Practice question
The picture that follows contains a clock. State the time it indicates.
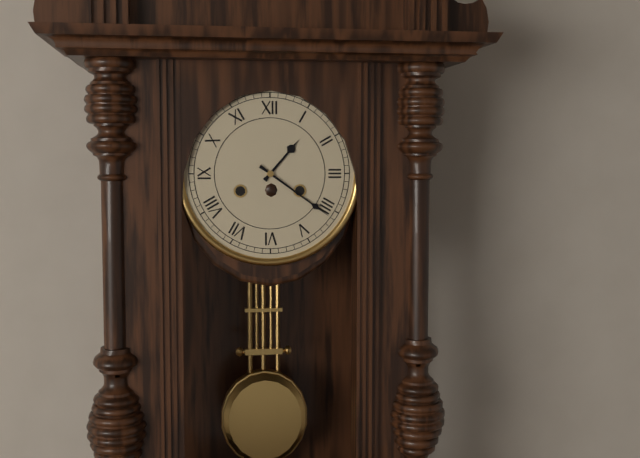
1:21
